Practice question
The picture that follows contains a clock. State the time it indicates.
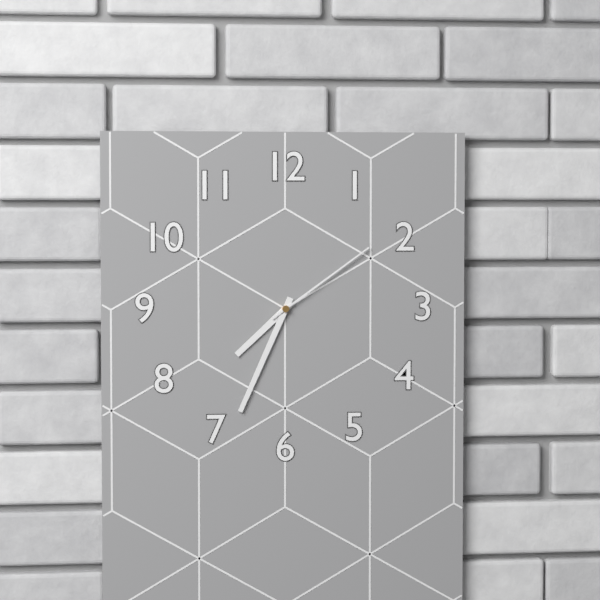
7:34:09
